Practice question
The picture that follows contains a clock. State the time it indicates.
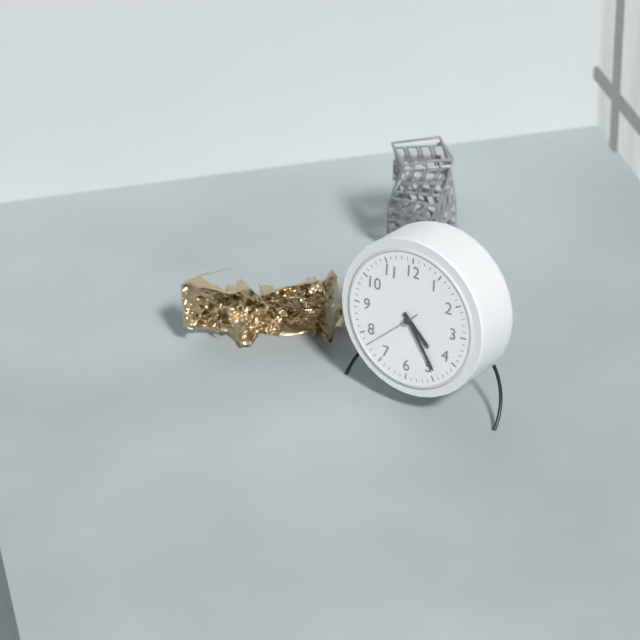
4:24:38
